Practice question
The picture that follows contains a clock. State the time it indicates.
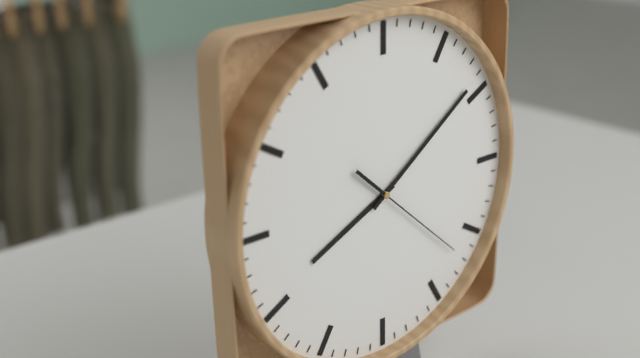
8:09:22
